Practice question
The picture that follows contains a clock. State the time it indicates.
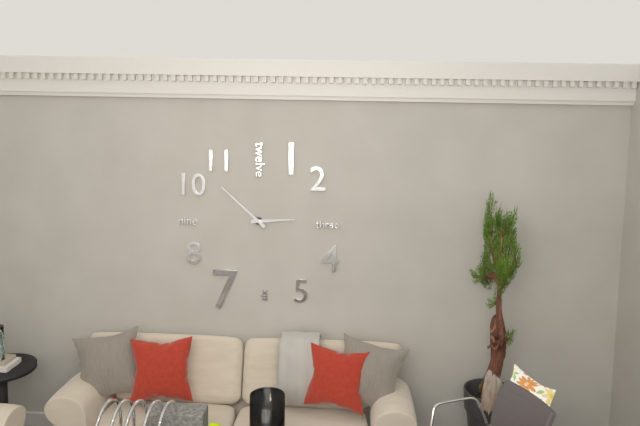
2:52
